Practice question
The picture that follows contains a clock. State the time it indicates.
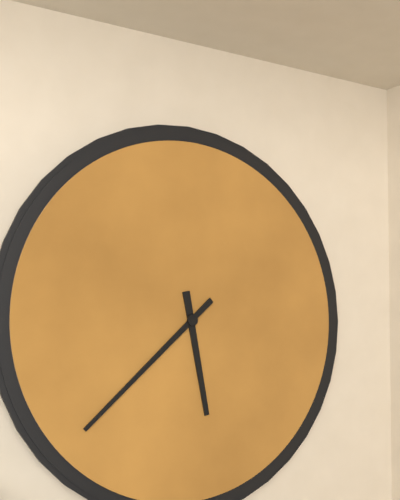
5:38
